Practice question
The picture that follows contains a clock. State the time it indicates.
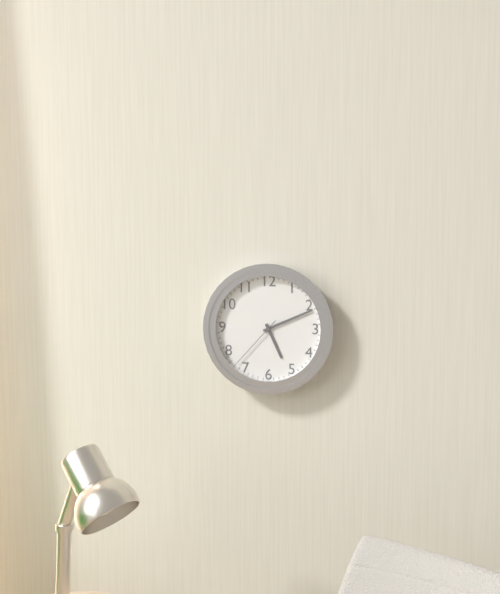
5:11:37
